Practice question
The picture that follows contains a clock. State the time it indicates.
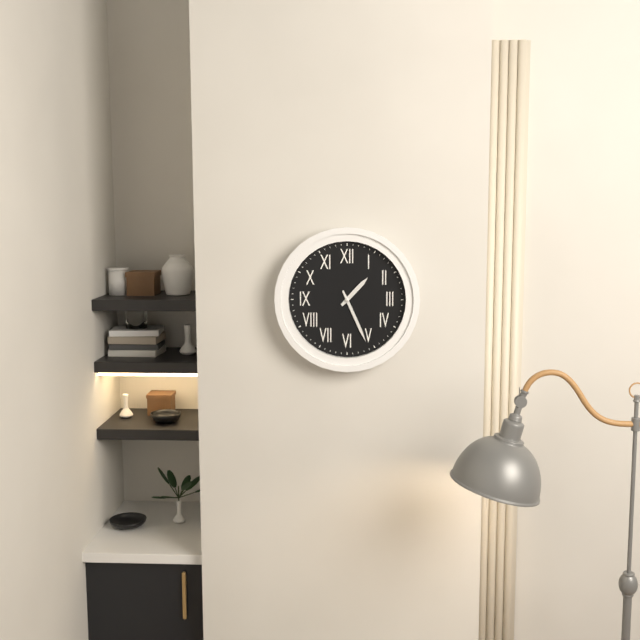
1:26
